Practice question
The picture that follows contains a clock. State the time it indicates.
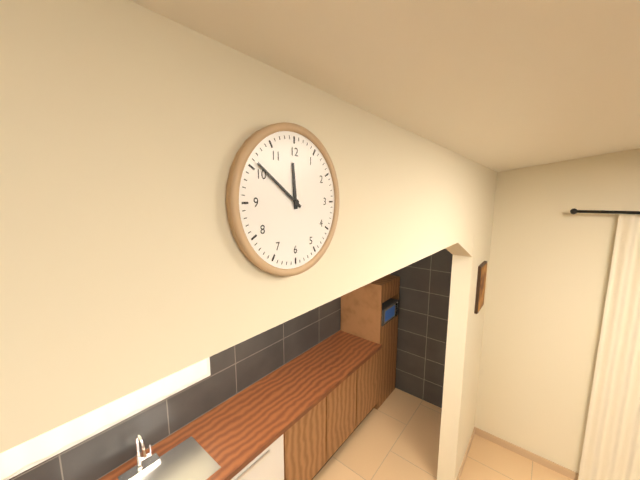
11:51
